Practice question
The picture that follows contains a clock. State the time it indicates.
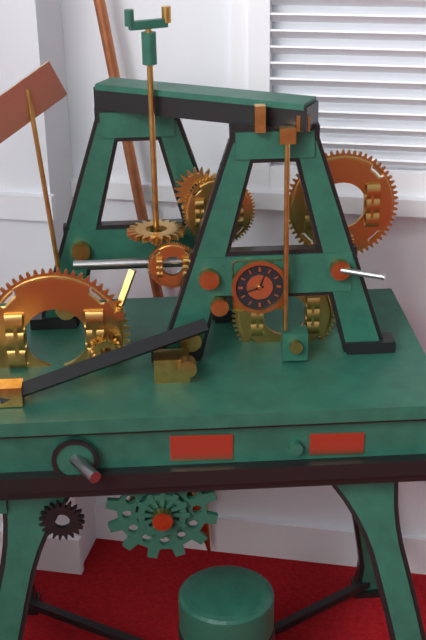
12:42
